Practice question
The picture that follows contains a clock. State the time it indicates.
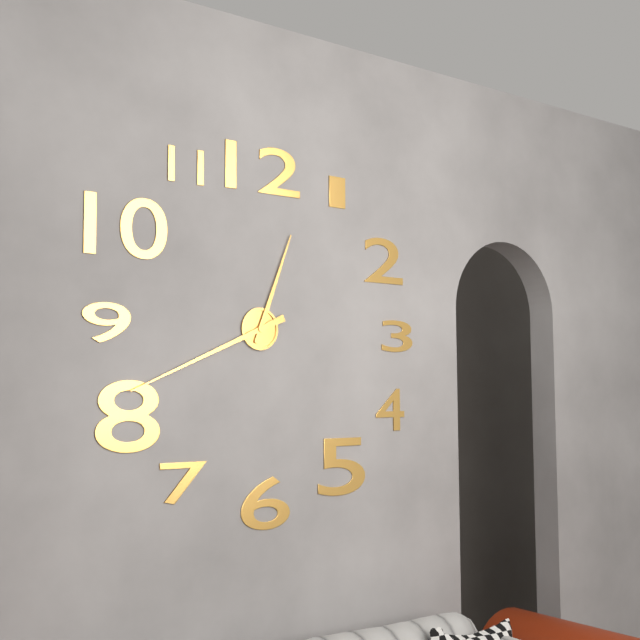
12:41
